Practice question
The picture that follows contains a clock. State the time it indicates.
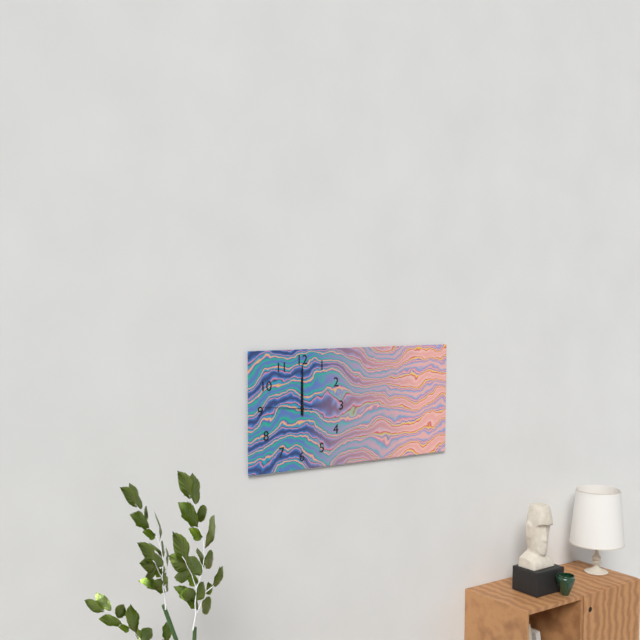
12:00:46
